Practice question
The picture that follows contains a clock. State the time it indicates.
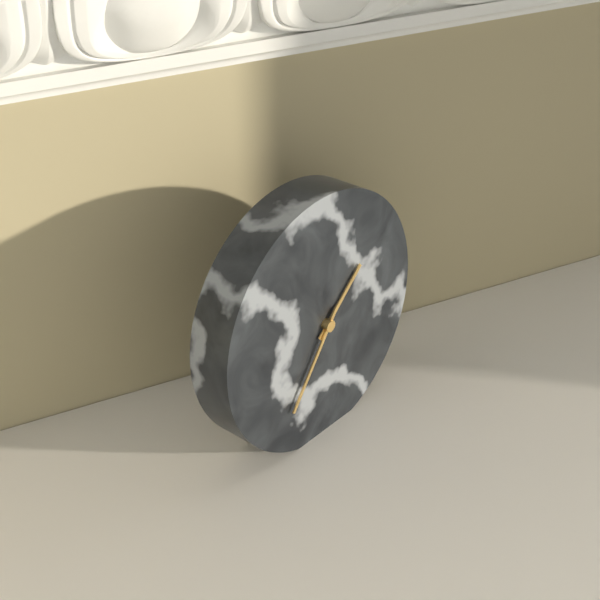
1:36
